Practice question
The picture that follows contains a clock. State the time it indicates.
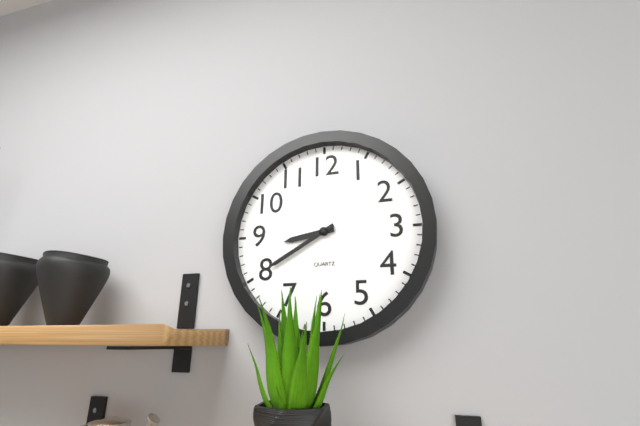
8:40
